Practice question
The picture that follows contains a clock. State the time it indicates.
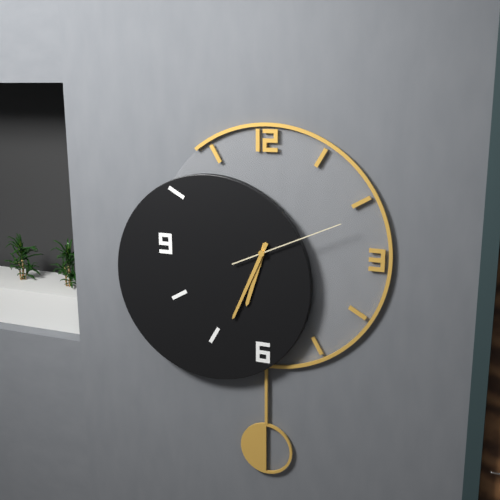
6:34:11
